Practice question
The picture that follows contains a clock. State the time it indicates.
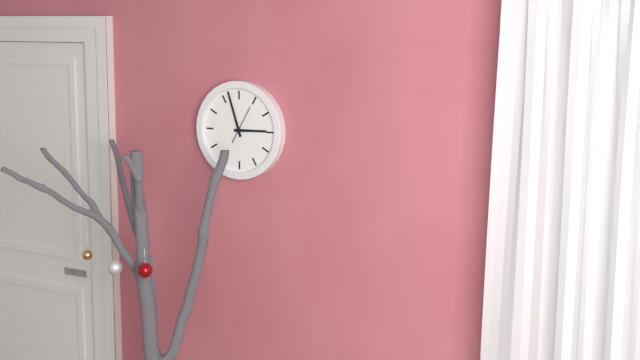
2:57
